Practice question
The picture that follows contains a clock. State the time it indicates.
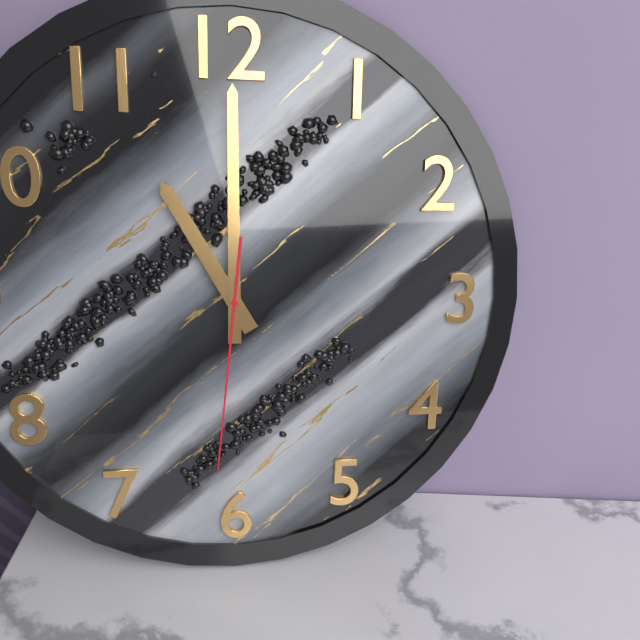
11:00:31
